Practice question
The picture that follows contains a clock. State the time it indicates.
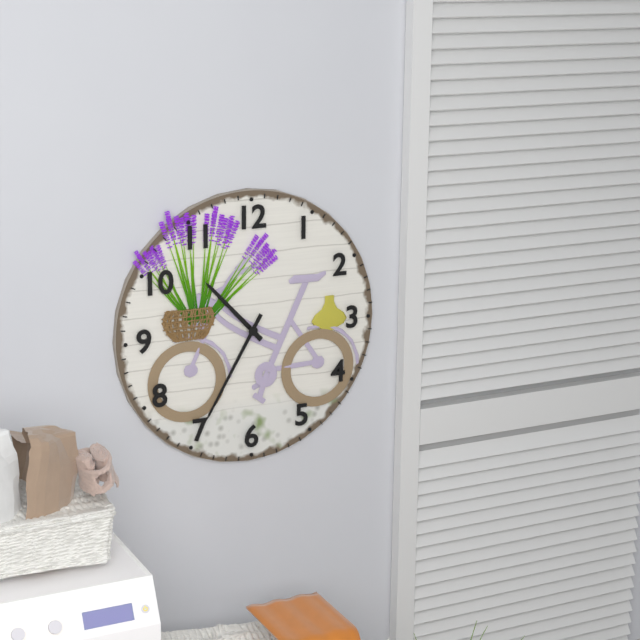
10:35
